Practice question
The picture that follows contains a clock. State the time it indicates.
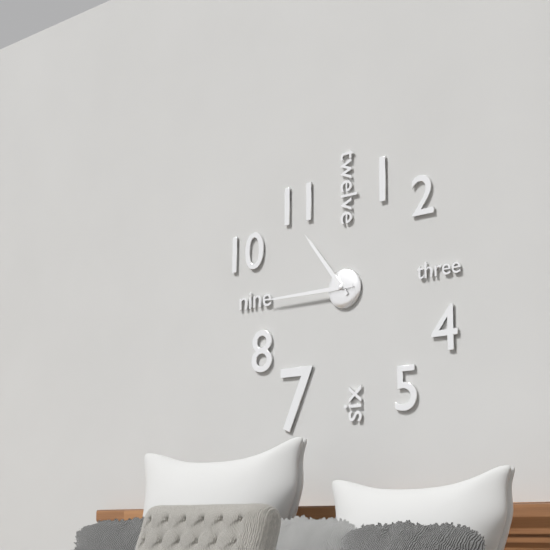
10:45
